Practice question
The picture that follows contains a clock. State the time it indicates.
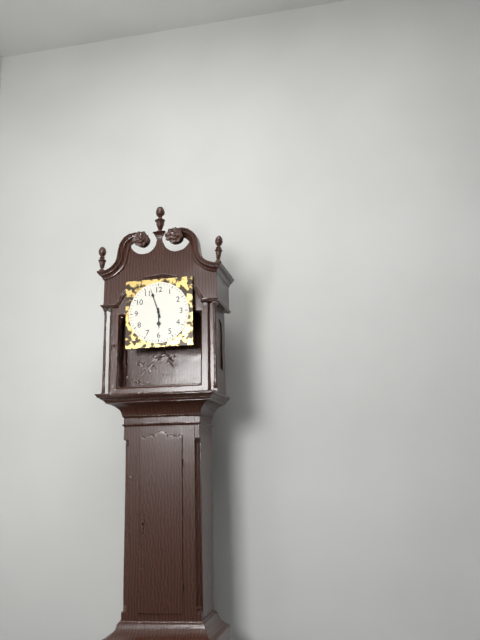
5:57
